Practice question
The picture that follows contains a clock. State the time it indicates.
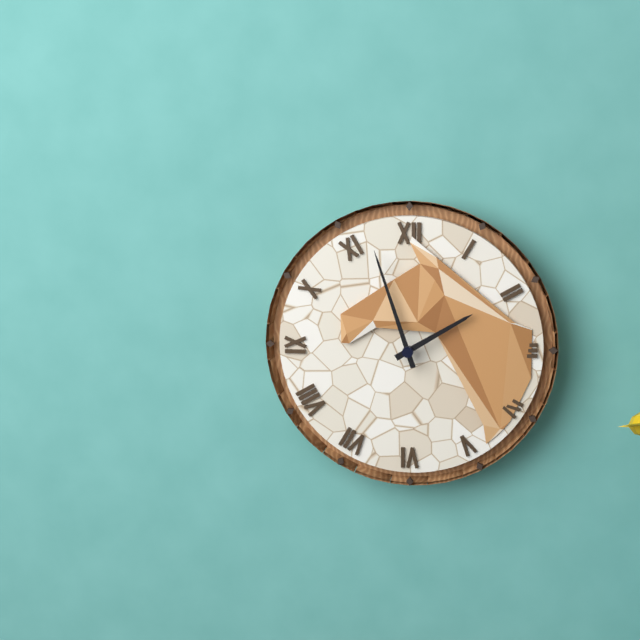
1:57
